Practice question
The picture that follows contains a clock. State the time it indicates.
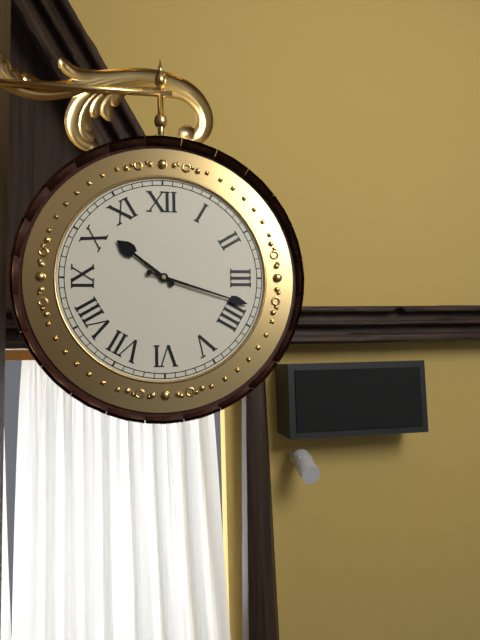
10:18
